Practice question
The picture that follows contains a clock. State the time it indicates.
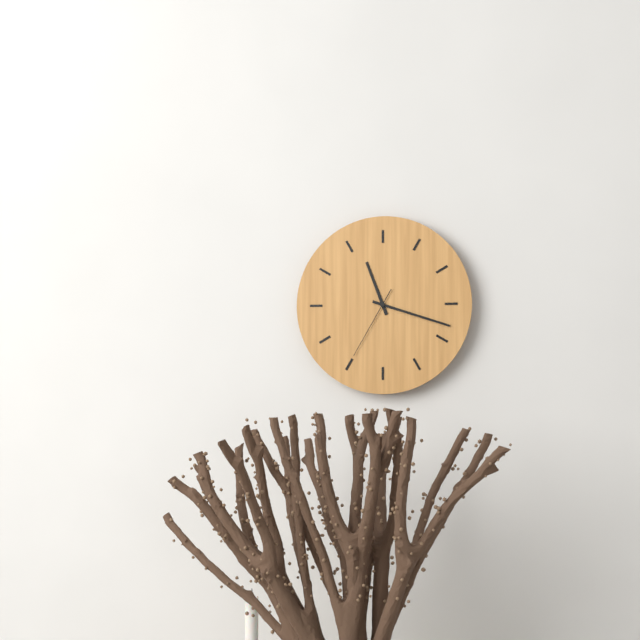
11:18:35
